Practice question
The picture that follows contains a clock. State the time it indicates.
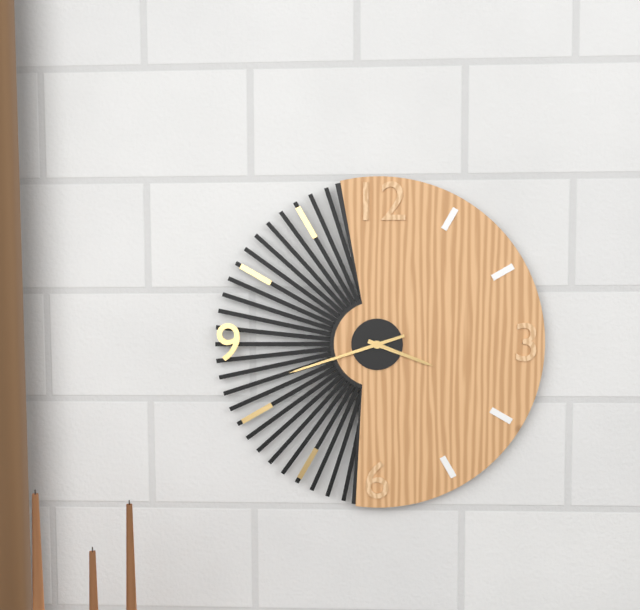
3:42
